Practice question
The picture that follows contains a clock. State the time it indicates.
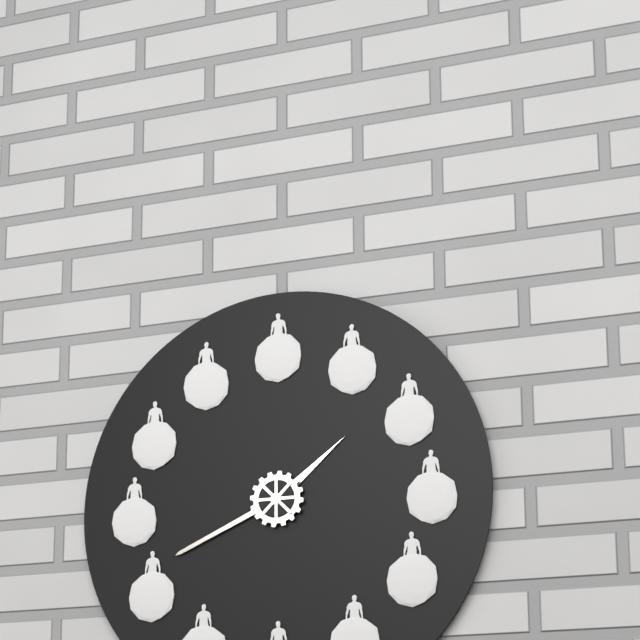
1:41
